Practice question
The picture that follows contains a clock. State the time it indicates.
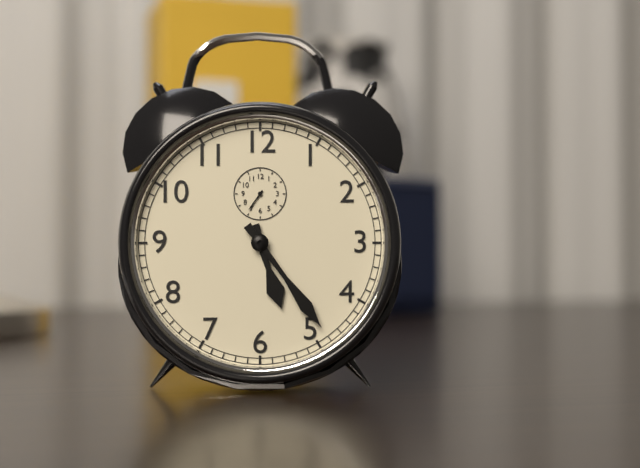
5:24
